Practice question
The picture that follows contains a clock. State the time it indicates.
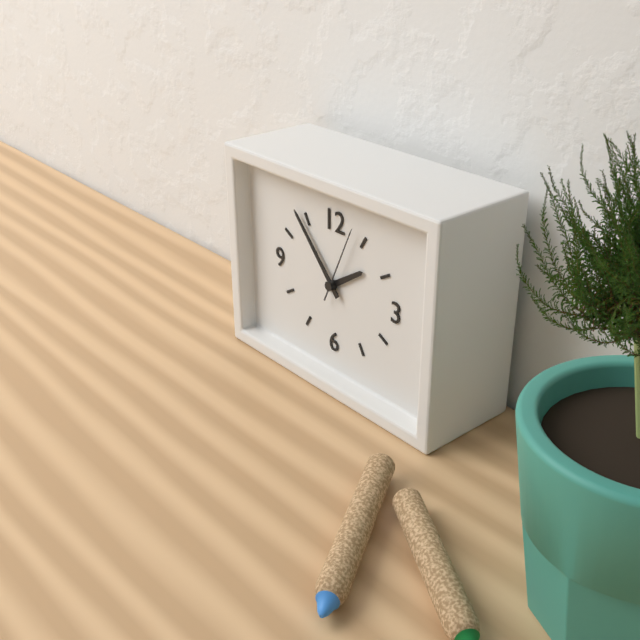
1:53:04
